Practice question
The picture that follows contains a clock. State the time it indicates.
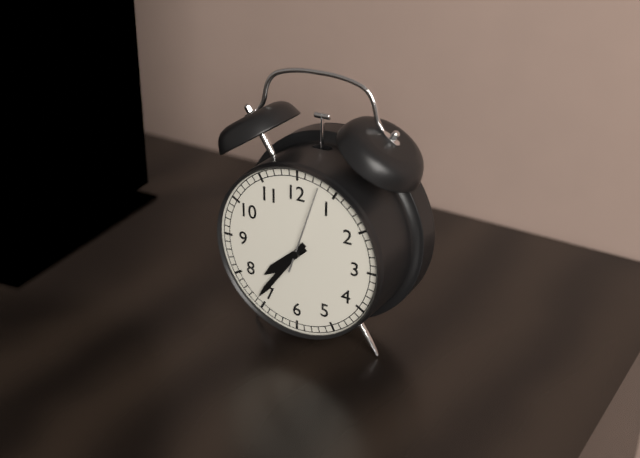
7:36:03
